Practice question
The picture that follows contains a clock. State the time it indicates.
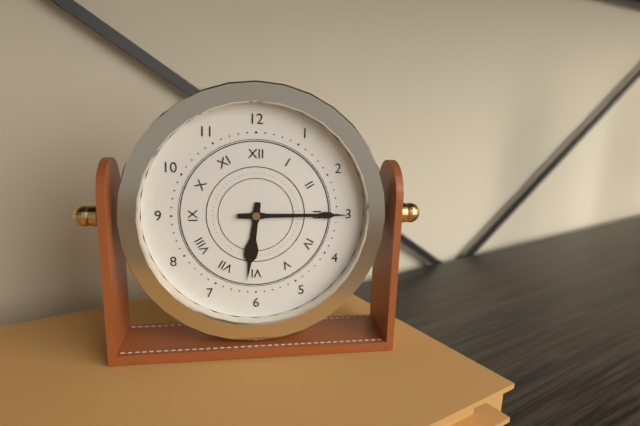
6:15
